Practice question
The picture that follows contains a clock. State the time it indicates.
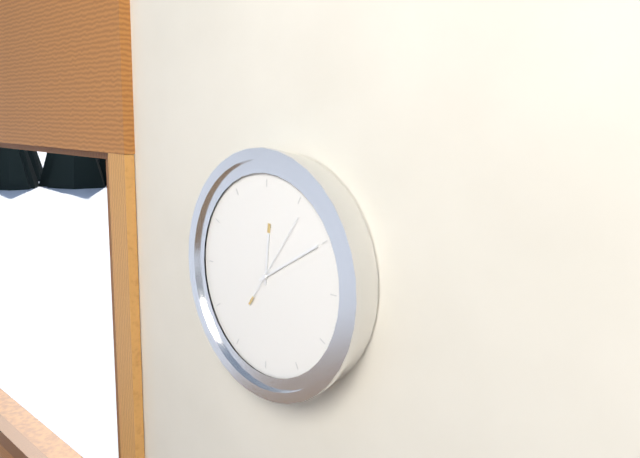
12:10:06
